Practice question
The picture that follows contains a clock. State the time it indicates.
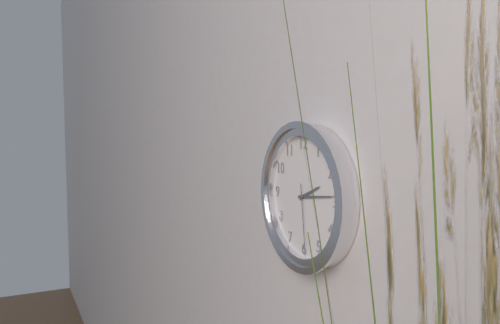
2:14:29
